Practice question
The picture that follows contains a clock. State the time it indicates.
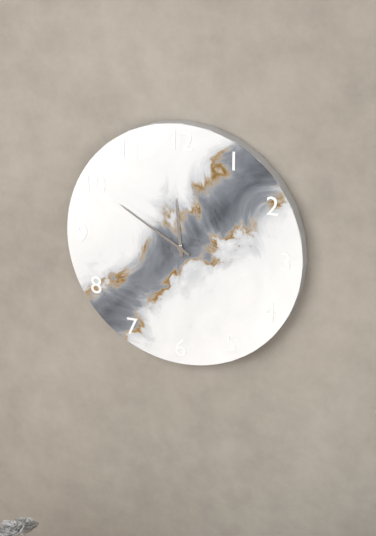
11:50
